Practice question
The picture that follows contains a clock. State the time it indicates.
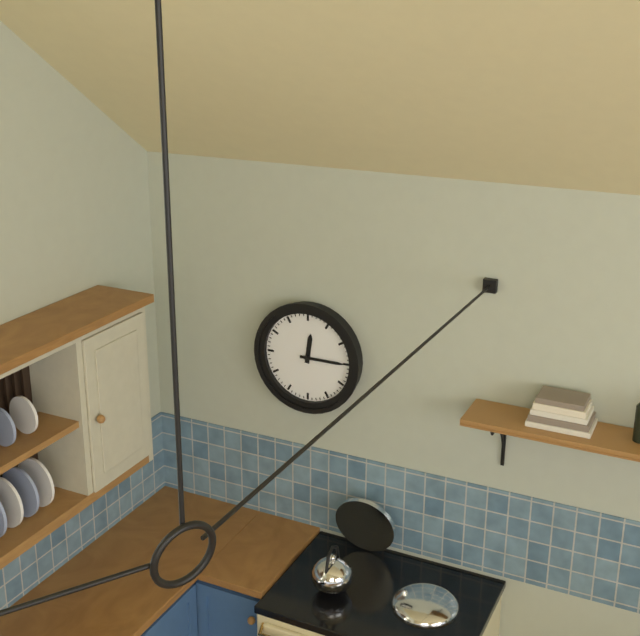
12:15
